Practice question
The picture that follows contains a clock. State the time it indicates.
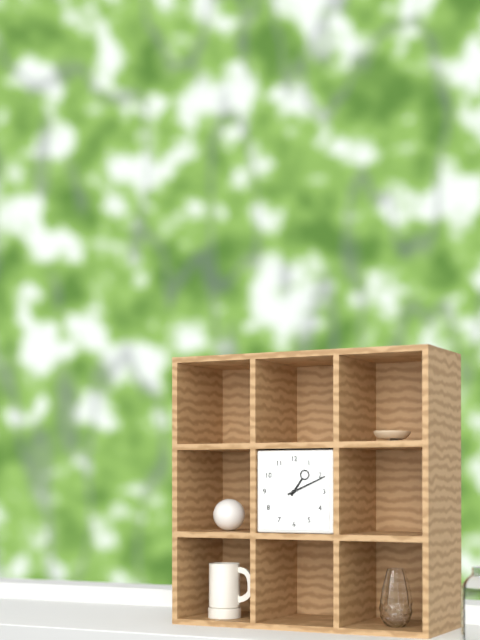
1:11
